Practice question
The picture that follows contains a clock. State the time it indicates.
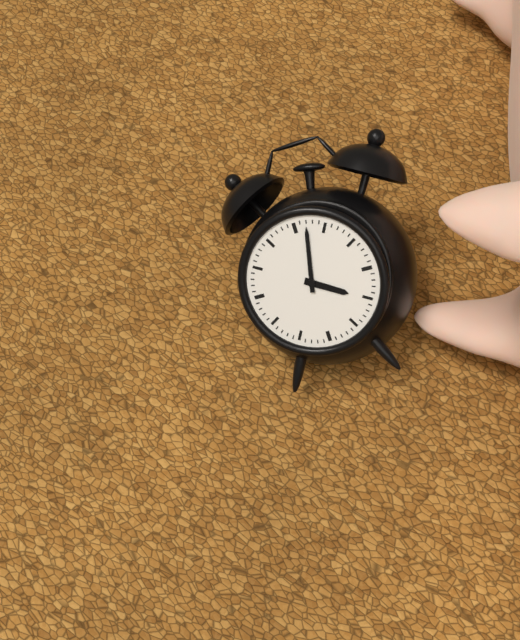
4:02
